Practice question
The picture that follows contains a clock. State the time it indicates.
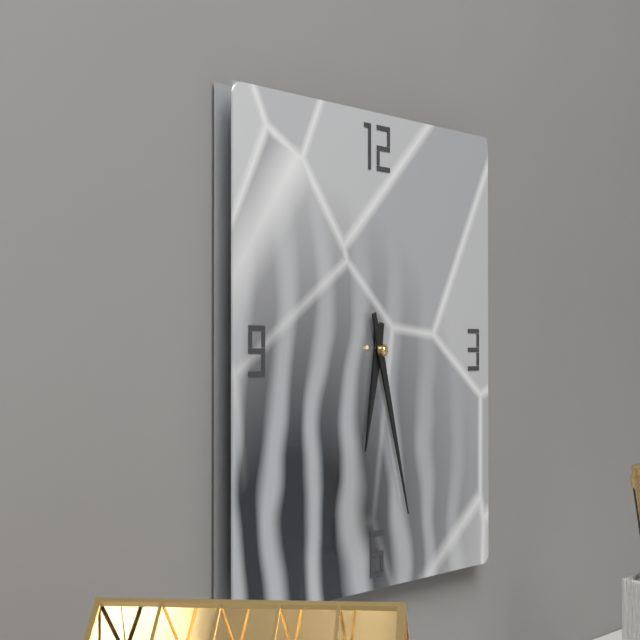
6:27
